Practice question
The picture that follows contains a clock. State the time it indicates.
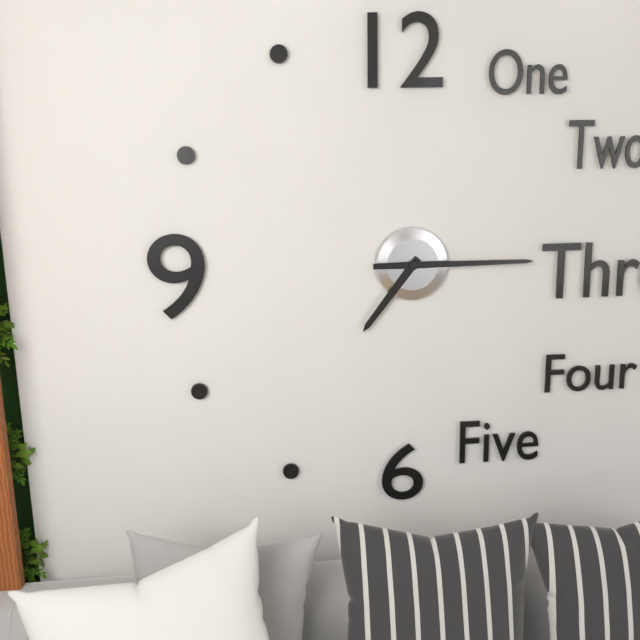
7:15
